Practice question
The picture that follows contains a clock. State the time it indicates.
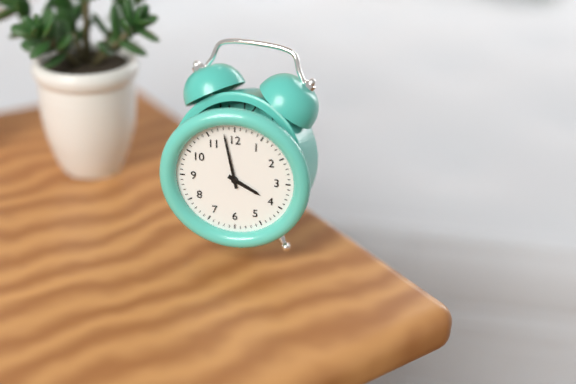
3:58
